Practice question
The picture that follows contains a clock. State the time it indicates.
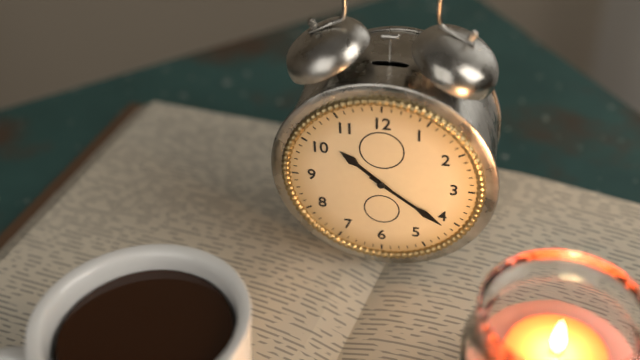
10:21
